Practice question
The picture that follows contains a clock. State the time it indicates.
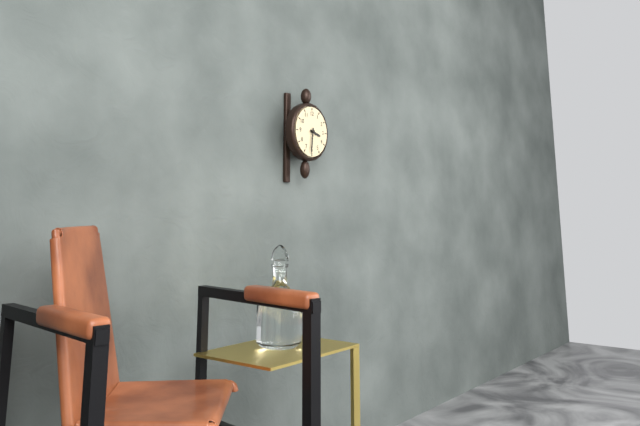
3:31
